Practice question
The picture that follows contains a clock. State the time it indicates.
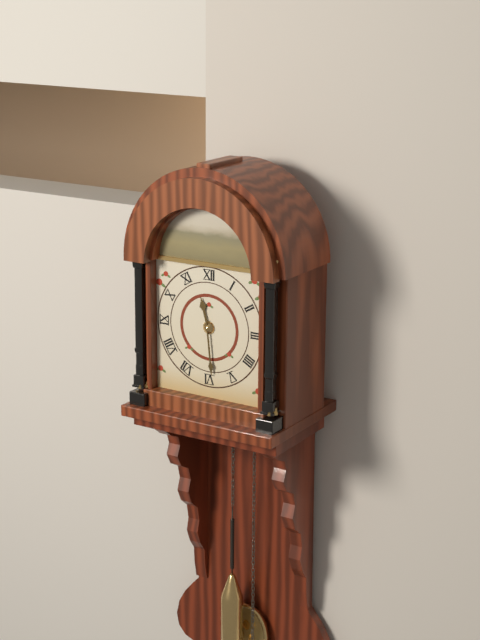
11:29
